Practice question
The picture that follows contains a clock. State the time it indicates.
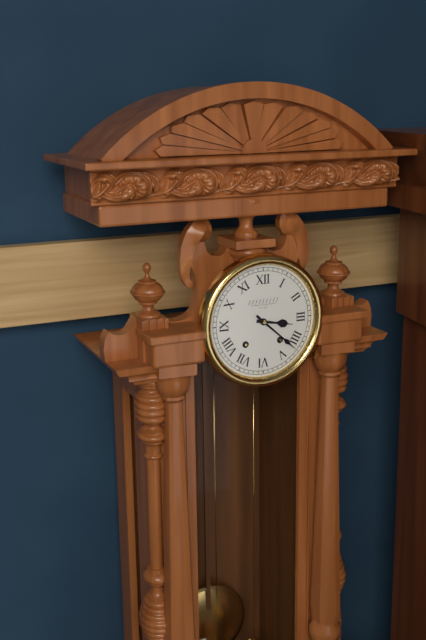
3:22
